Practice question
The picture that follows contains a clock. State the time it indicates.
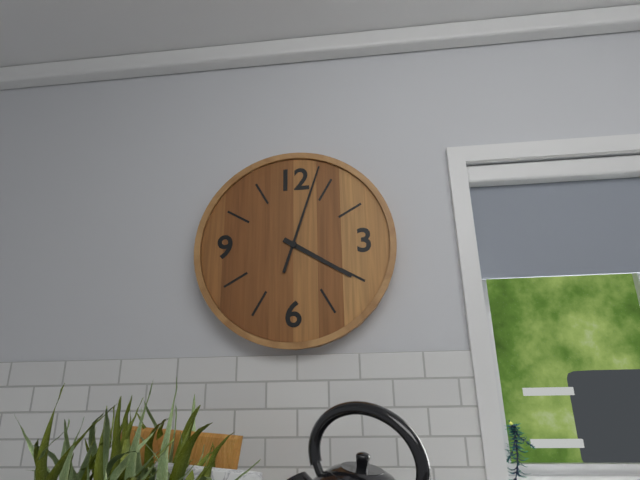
4:03
